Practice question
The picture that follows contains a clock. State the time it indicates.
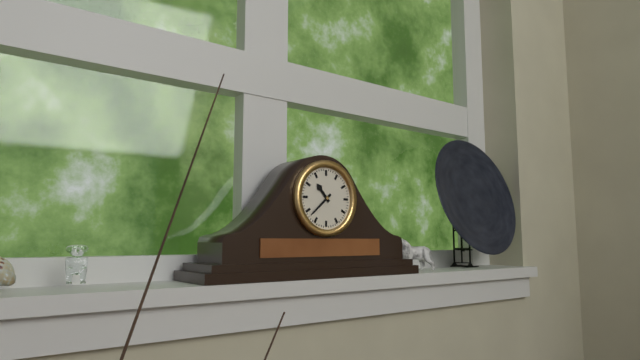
10:38
